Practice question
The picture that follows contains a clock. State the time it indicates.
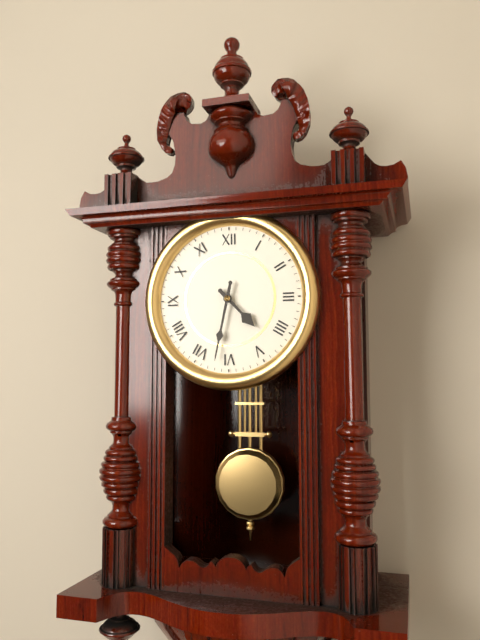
4:32
